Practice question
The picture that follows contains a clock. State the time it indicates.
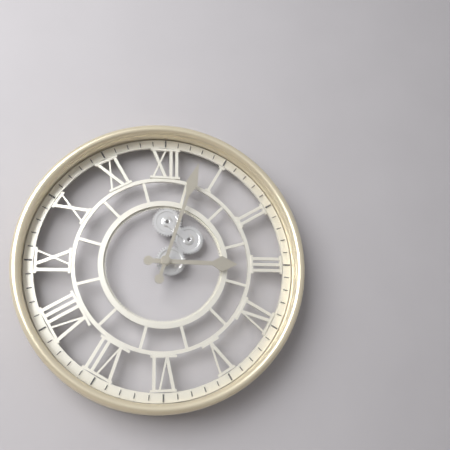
3:03
